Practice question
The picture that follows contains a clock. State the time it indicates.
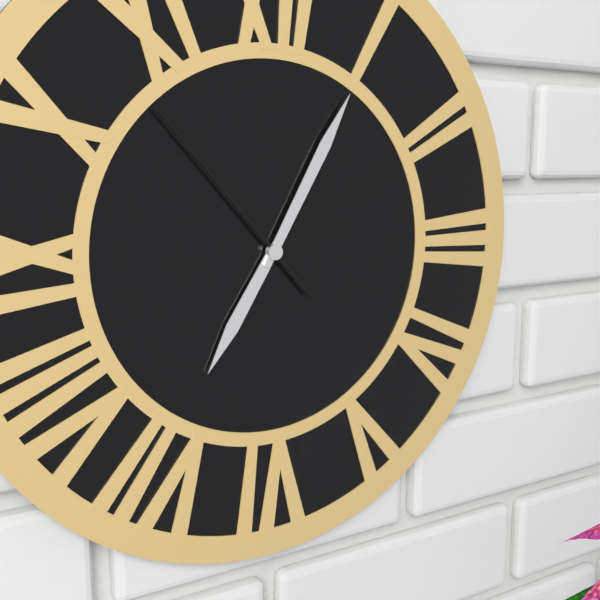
7:05:53
